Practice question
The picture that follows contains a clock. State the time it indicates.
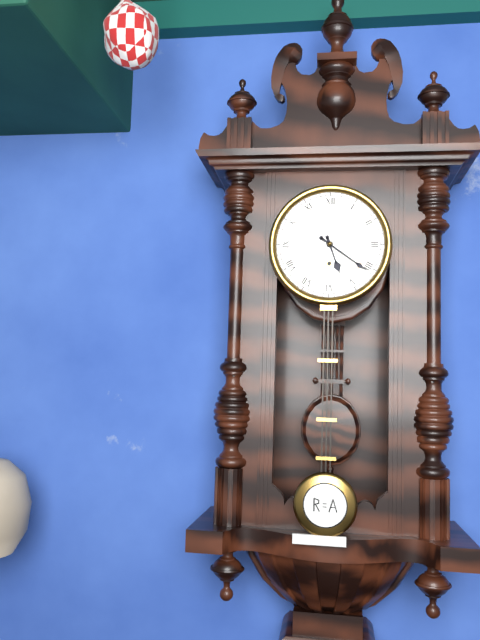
5:21
